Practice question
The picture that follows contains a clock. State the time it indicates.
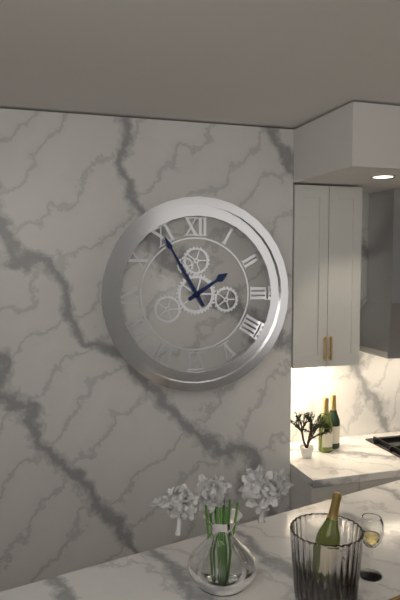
1:55
